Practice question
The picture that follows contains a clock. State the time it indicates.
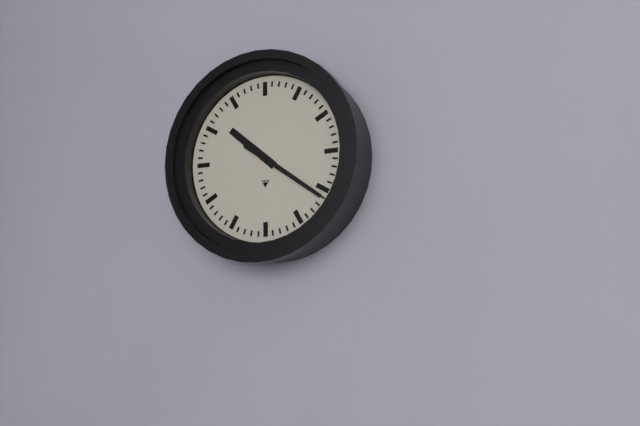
10:21
